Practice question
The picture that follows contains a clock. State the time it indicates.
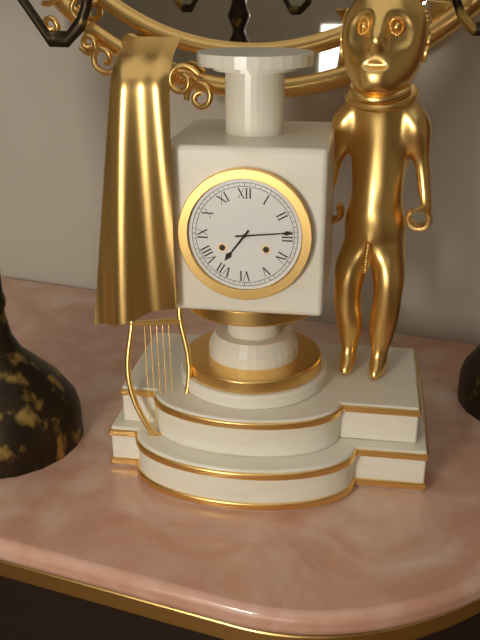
7:14
